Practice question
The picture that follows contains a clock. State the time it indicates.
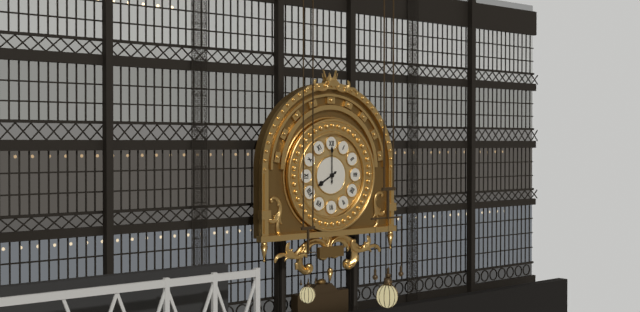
8:00
